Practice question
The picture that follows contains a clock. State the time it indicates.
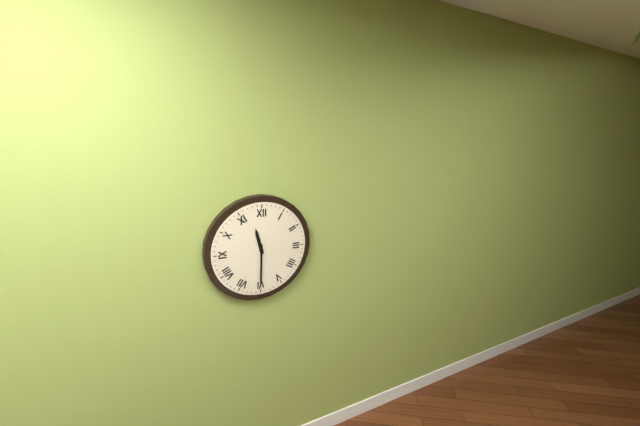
11:30
